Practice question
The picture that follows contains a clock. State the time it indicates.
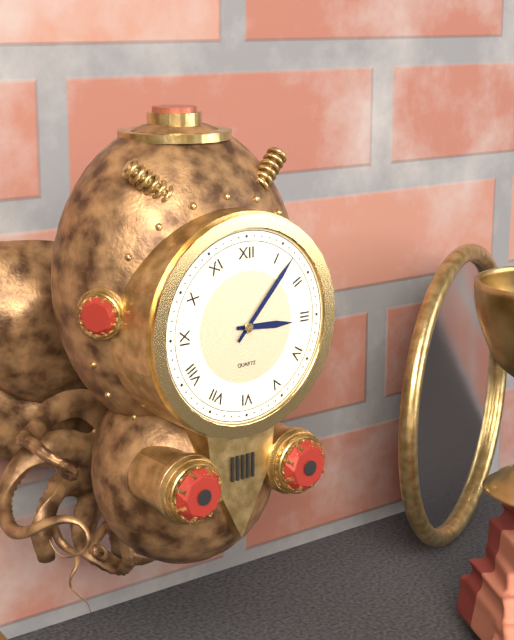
3:07
